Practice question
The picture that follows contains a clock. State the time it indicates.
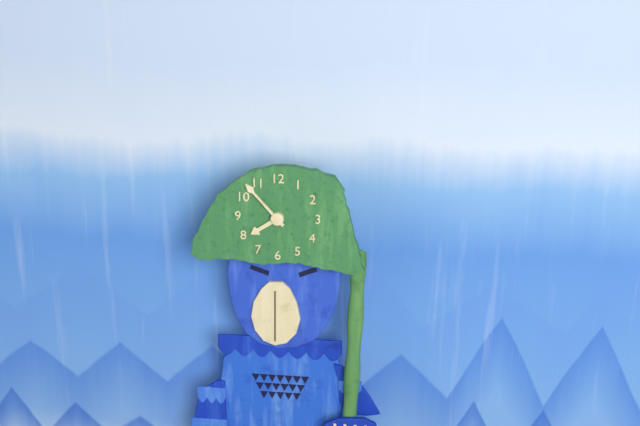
7:53
